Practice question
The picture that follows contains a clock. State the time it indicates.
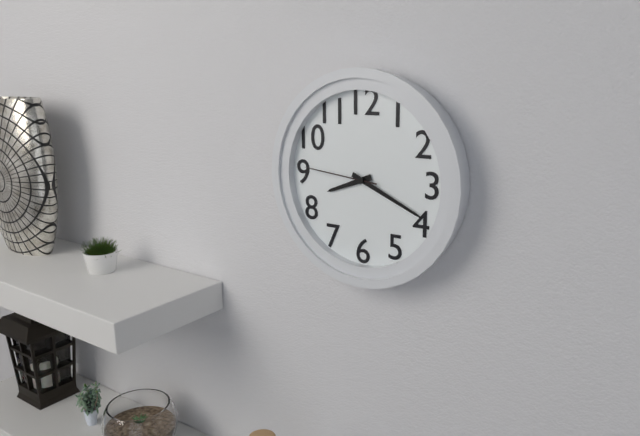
8:19:46
